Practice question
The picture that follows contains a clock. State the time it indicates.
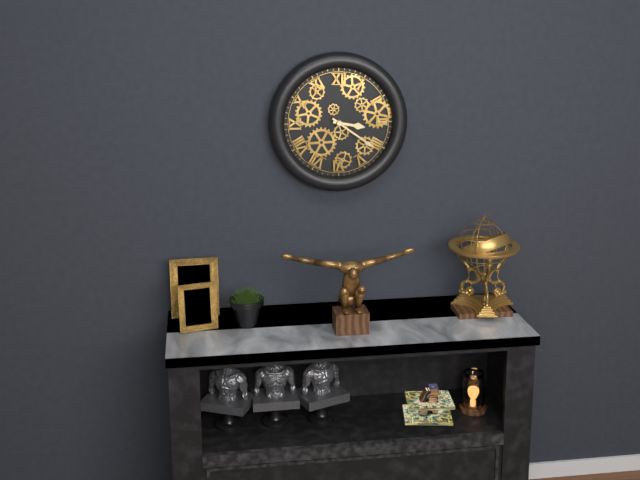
3:21
